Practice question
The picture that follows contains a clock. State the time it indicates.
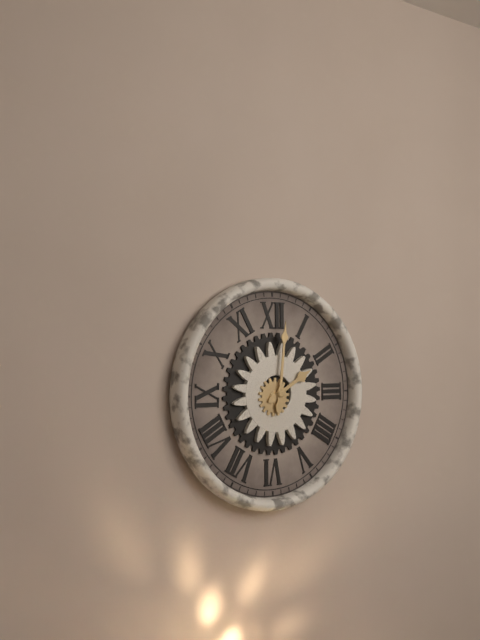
2:01
